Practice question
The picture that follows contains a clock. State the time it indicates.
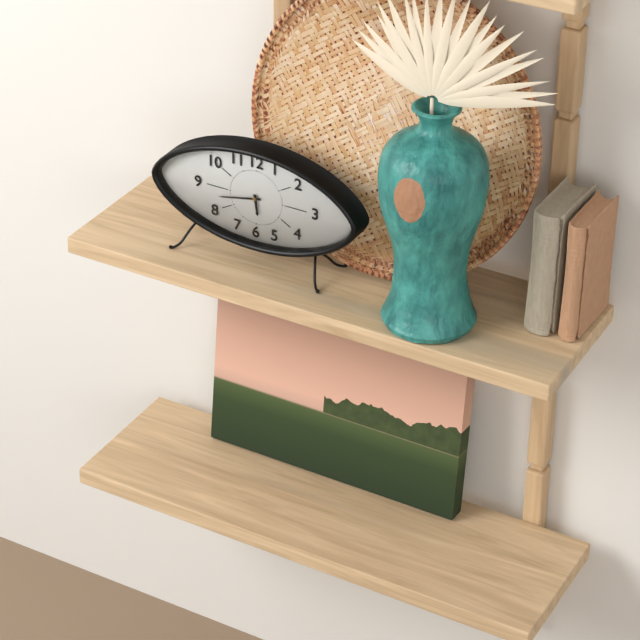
5:43
